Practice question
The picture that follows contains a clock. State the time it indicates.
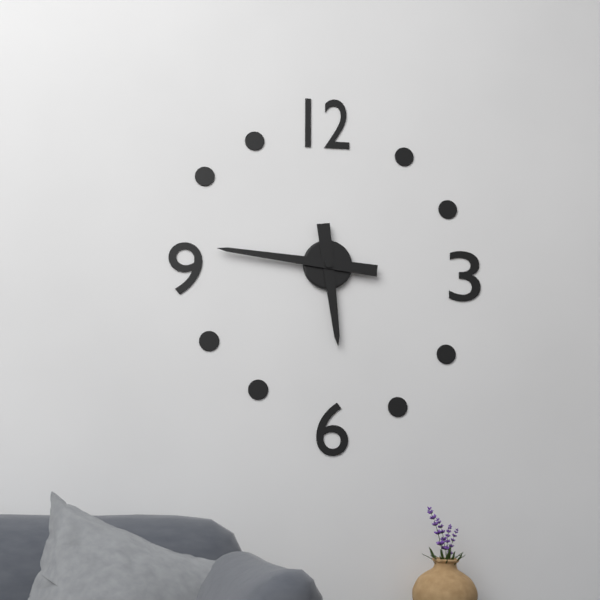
5:46
